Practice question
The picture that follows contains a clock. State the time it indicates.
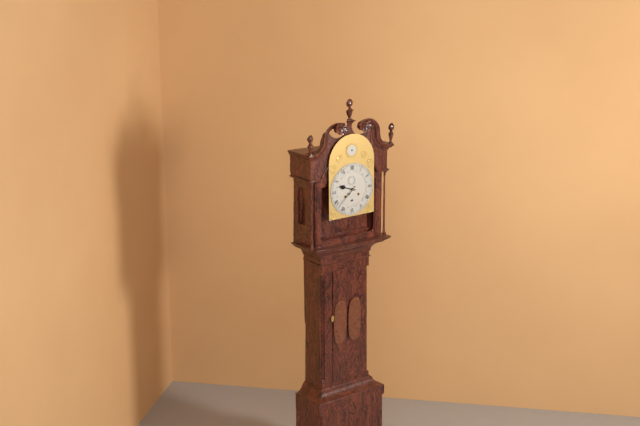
9:38
